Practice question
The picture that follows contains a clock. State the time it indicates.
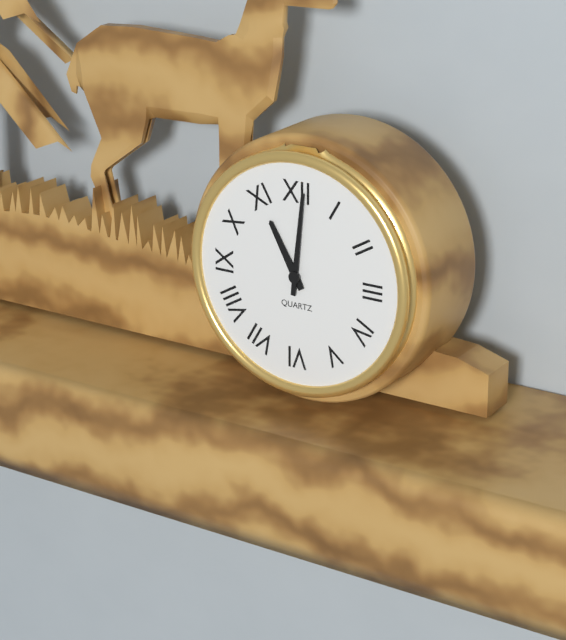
11:01
